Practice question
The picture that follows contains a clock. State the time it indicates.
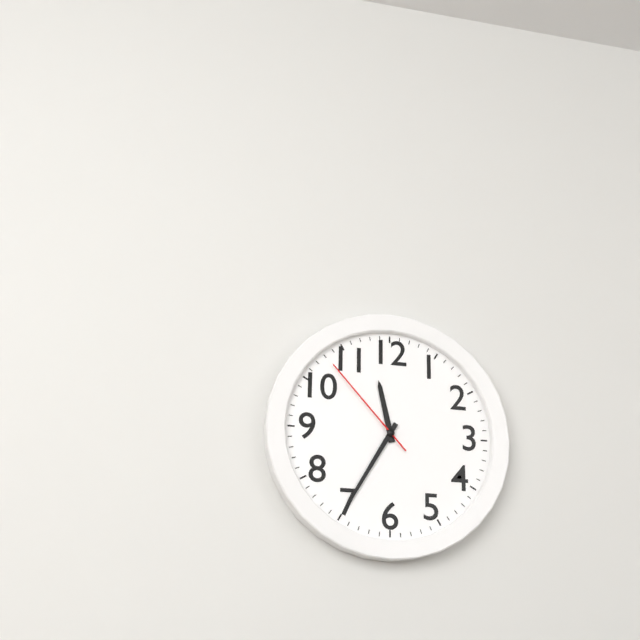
11:35:53
